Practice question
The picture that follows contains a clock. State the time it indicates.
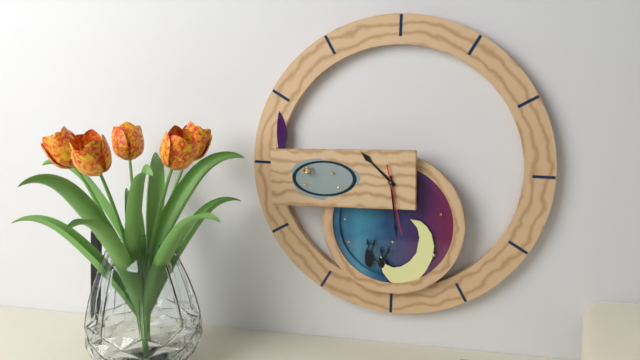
10:29:28
